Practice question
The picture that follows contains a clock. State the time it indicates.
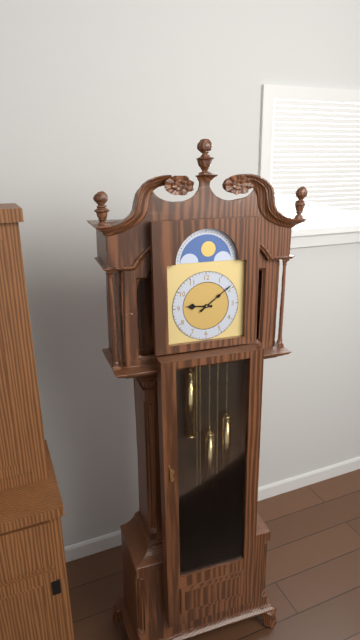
9:09
